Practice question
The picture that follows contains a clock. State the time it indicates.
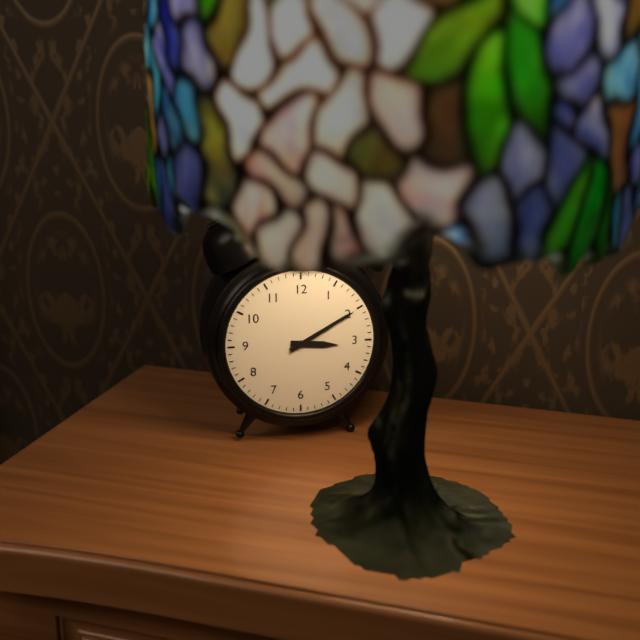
3:10
